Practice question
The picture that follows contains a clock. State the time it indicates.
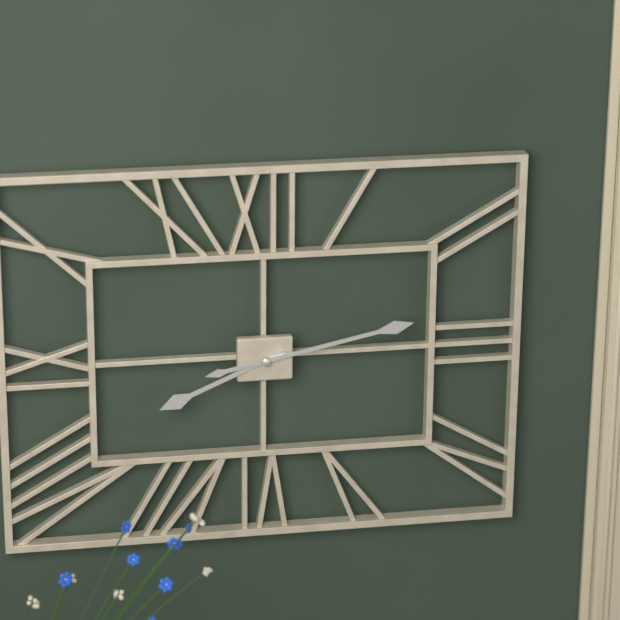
8:13
